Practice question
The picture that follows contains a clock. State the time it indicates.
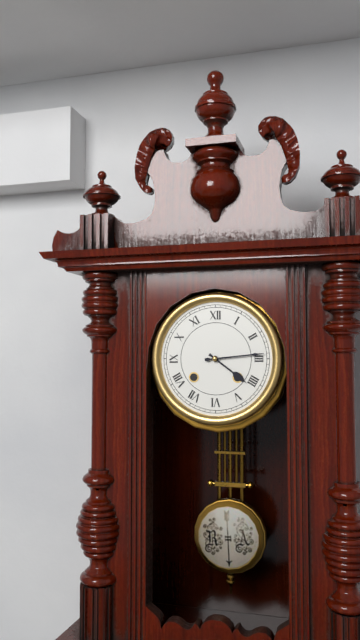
4:14
